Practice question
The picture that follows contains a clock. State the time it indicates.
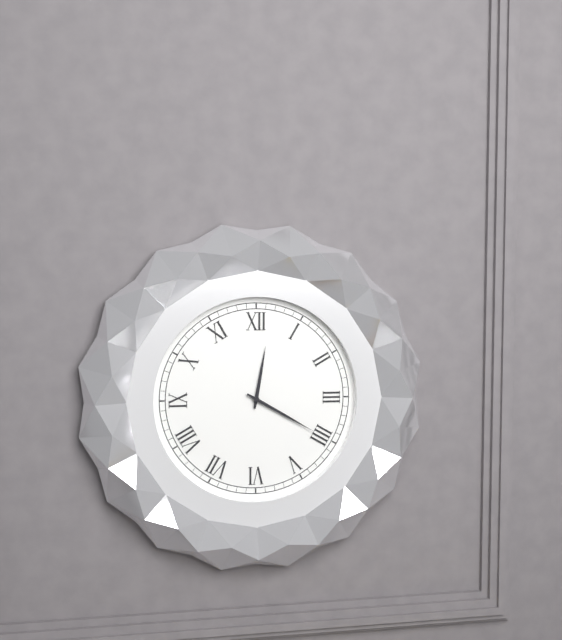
12:20
